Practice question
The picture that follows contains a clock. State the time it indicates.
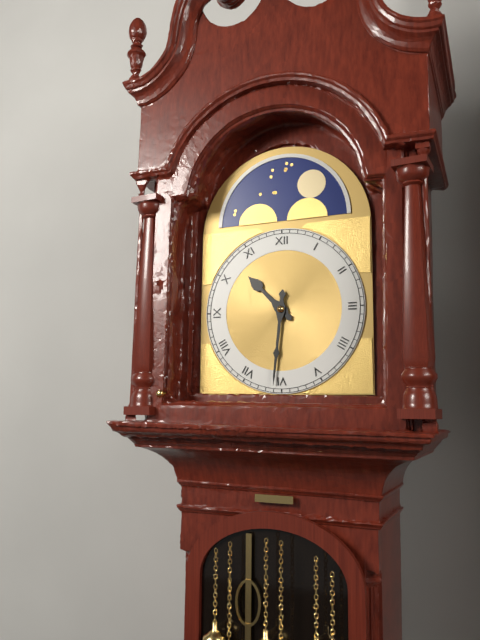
10:31
